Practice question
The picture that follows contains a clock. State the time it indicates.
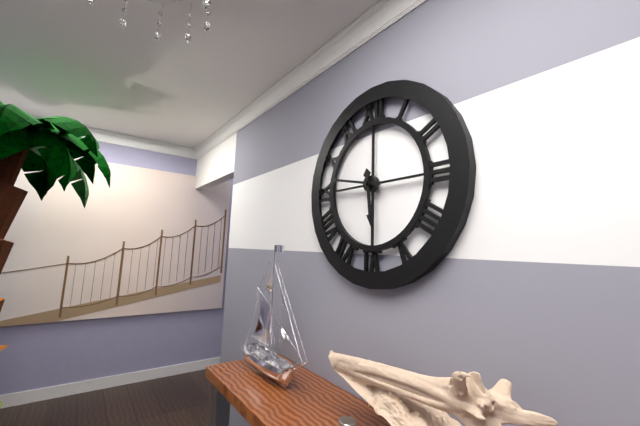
5:47
